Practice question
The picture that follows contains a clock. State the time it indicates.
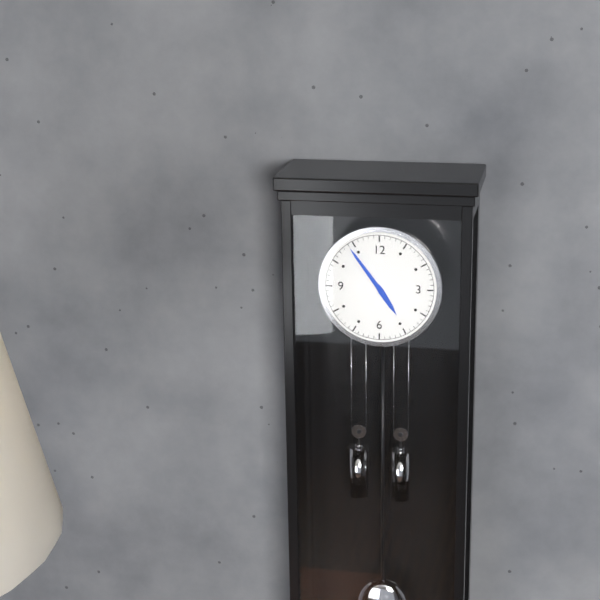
4:54
